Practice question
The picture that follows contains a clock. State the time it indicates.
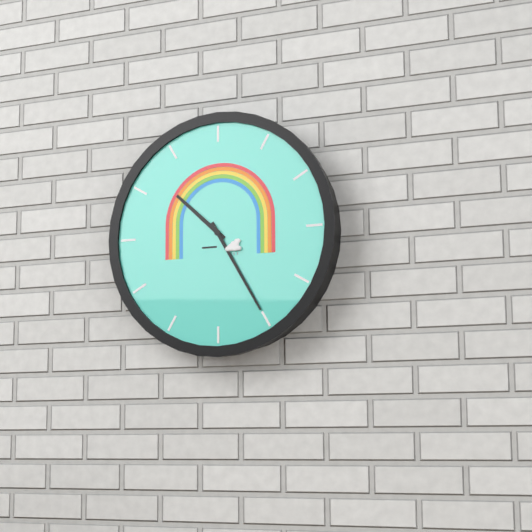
10:25
